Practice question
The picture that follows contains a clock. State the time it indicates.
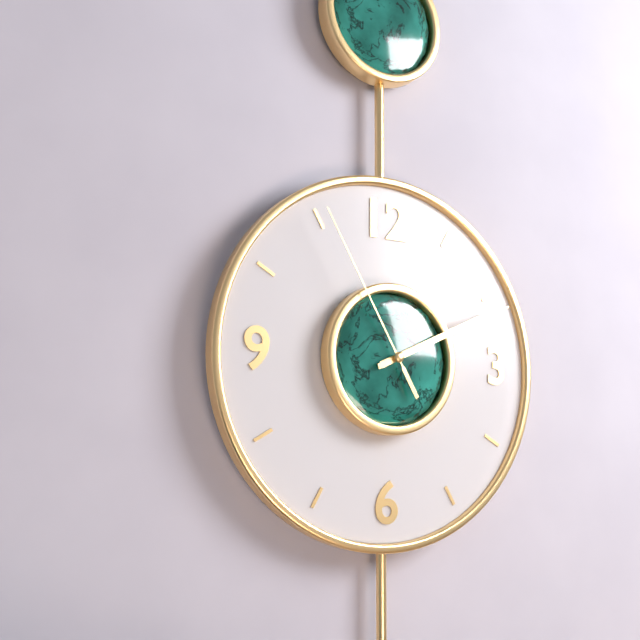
2:11:55
